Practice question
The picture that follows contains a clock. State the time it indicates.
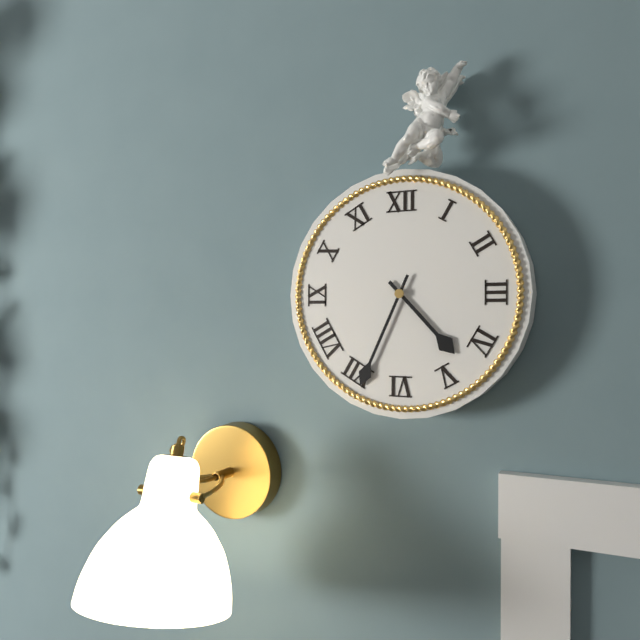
4:34
